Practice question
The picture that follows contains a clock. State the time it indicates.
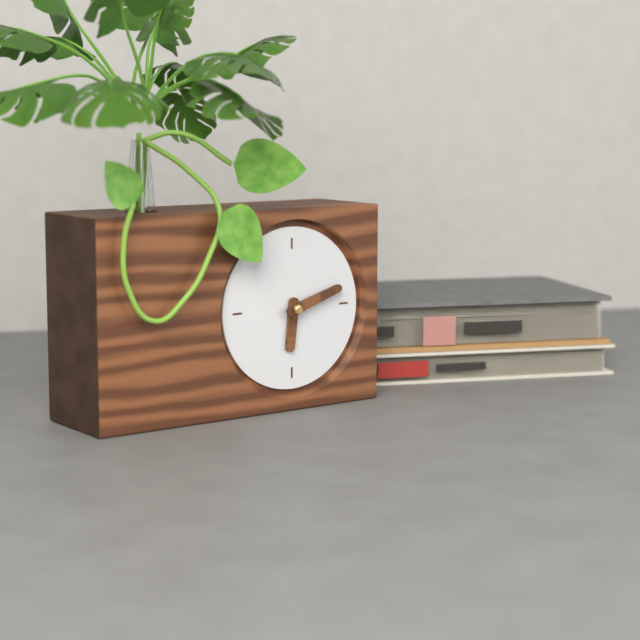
6:12
